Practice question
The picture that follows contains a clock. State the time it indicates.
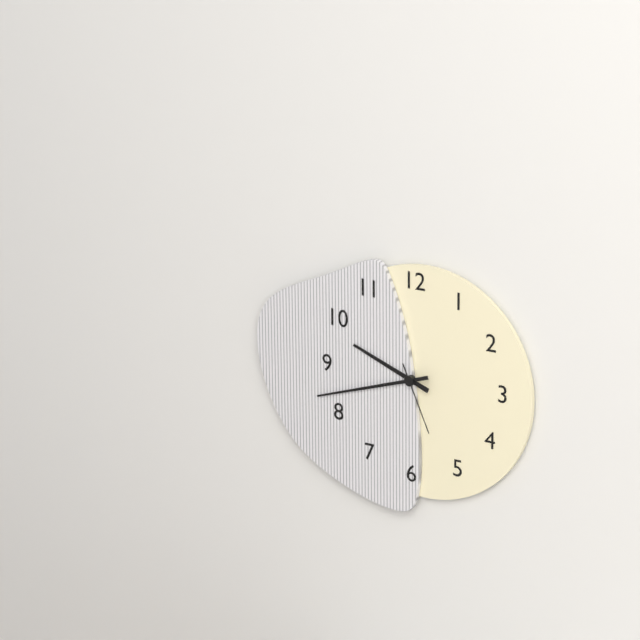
9:42:26
